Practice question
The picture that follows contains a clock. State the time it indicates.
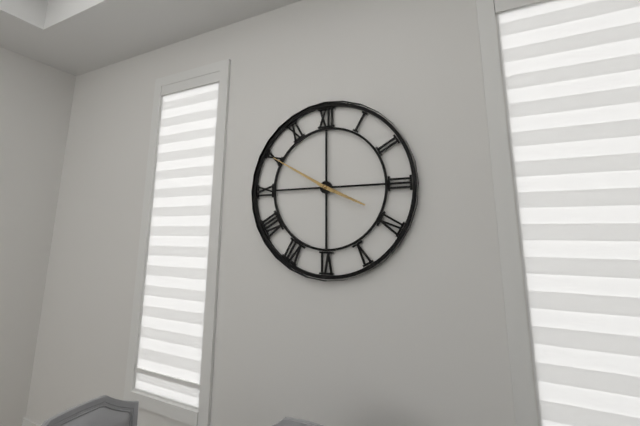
3:50
